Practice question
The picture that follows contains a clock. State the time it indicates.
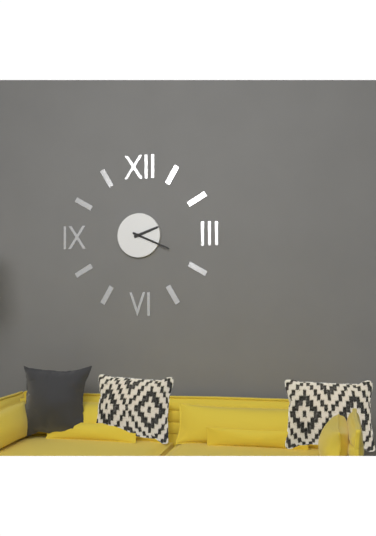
2:19
